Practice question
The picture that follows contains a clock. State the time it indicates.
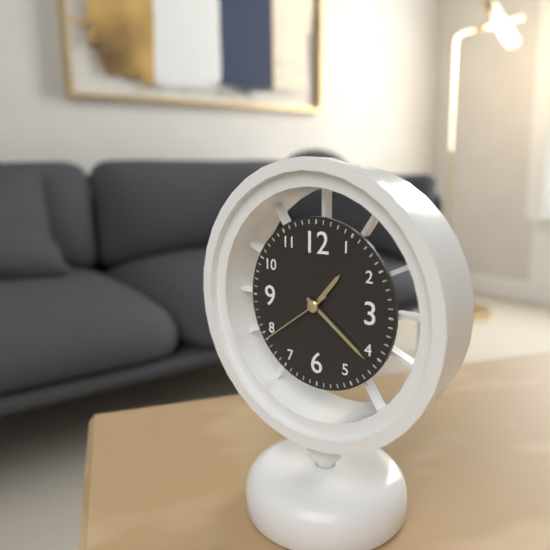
1:21:39
